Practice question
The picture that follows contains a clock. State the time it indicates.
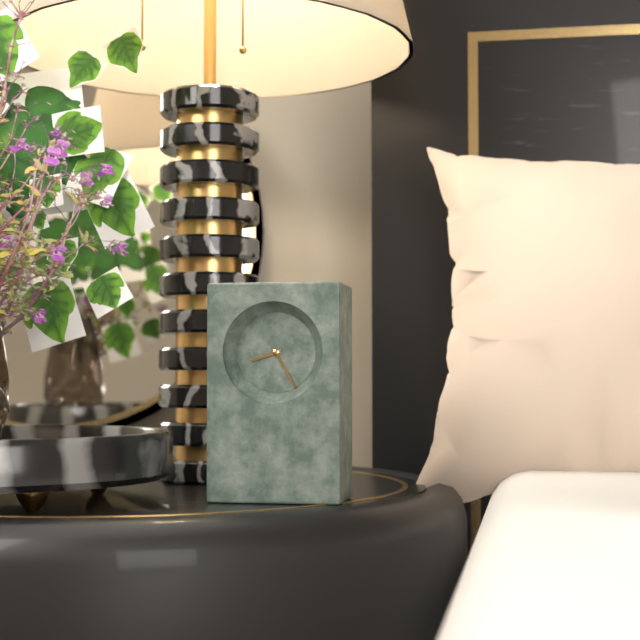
8:25
